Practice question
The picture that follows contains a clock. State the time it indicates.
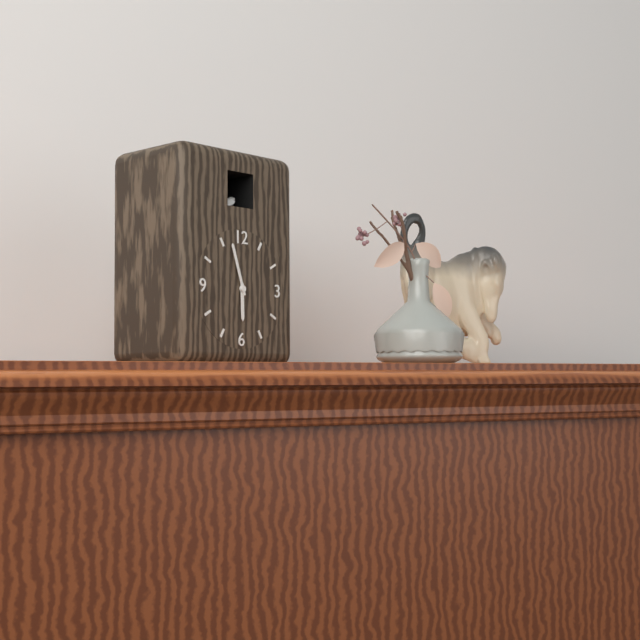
5:57
